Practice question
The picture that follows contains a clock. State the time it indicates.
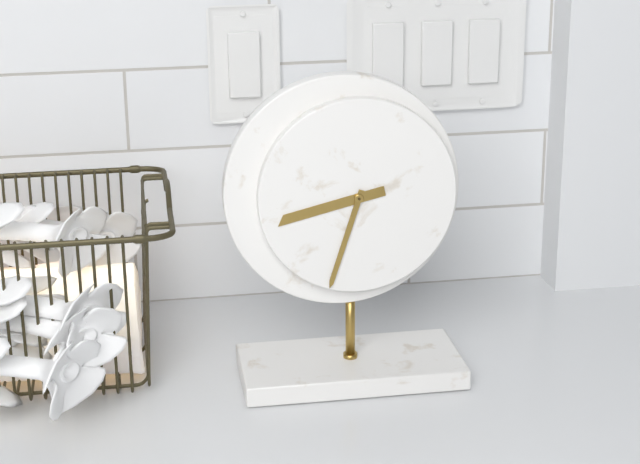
8:33
